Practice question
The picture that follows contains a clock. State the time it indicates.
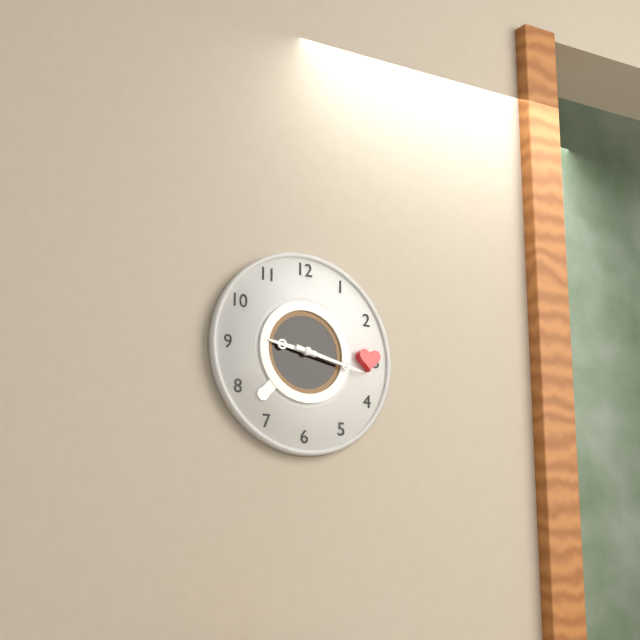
9:17
